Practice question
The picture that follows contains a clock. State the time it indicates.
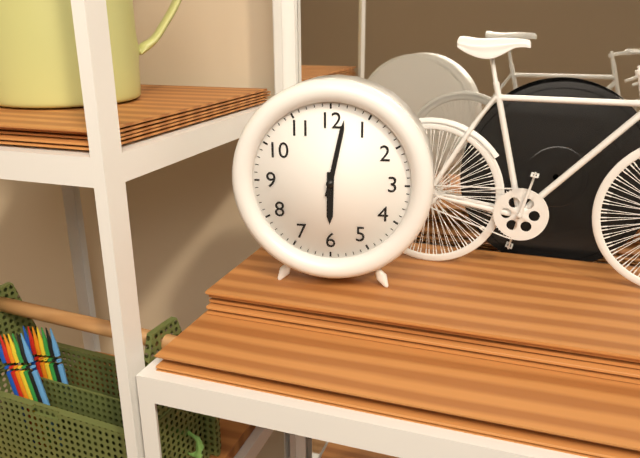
6:02
